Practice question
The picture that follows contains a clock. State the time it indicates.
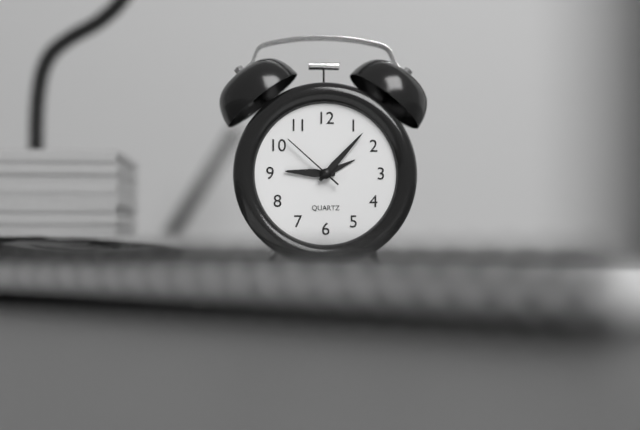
9:07:52
